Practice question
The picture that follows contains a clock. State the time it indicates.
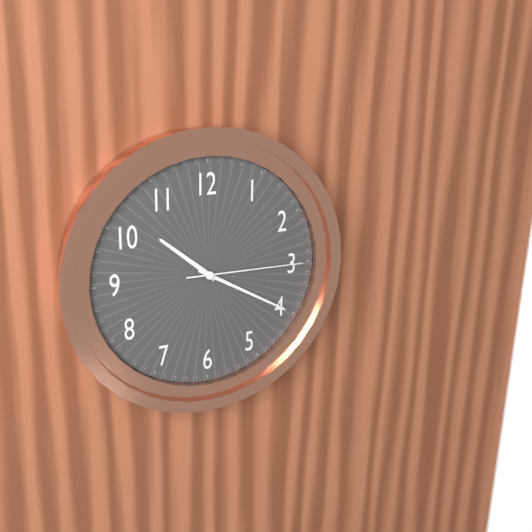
10:20:15
